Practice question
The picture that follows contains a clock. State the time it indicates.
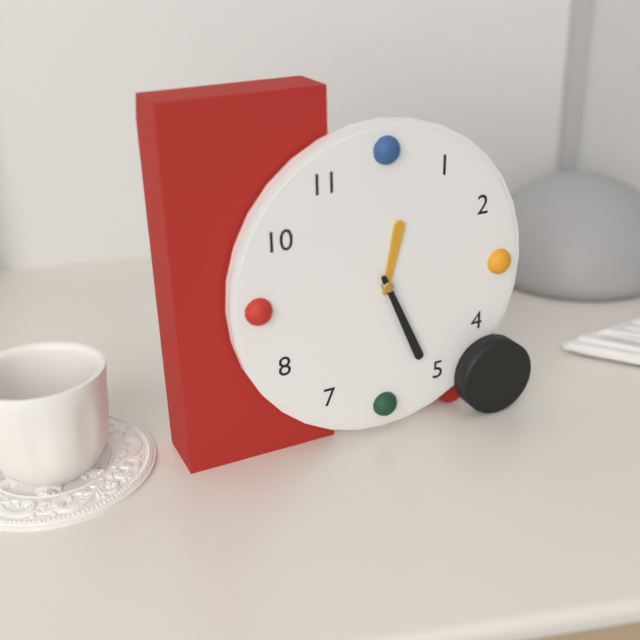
12:26
